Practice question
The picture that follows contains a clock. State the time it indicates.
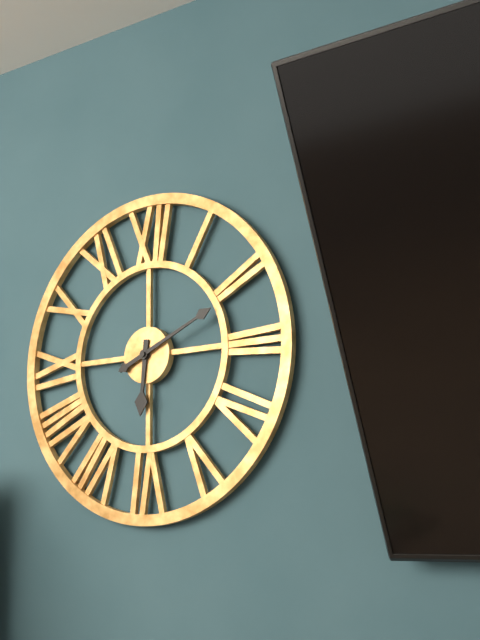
6:11
